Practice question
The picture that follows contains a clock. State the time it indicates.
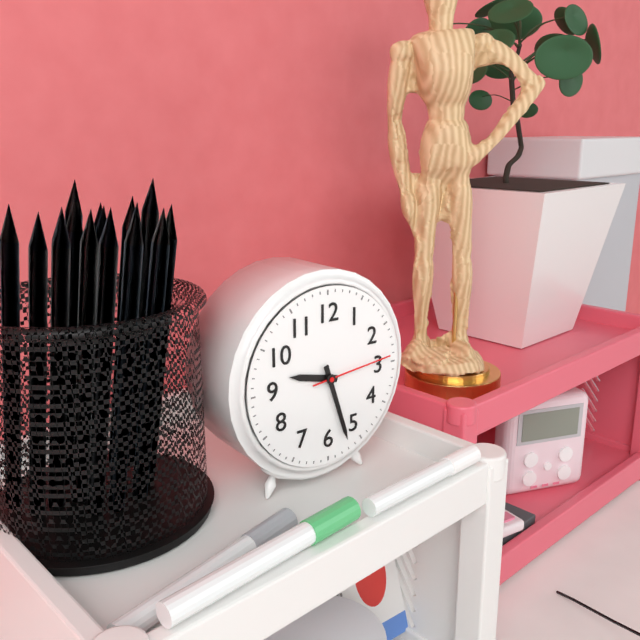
9:27:14
